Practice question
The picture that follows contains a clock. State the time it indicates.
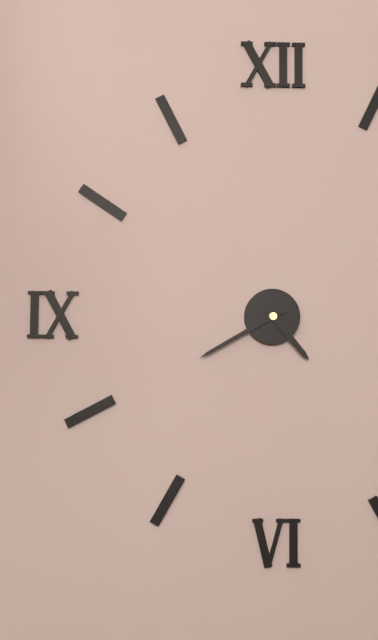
4:40
